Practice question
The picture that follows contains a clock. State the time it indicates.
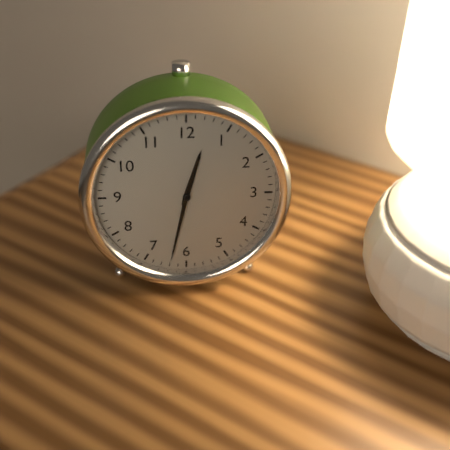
12:32
